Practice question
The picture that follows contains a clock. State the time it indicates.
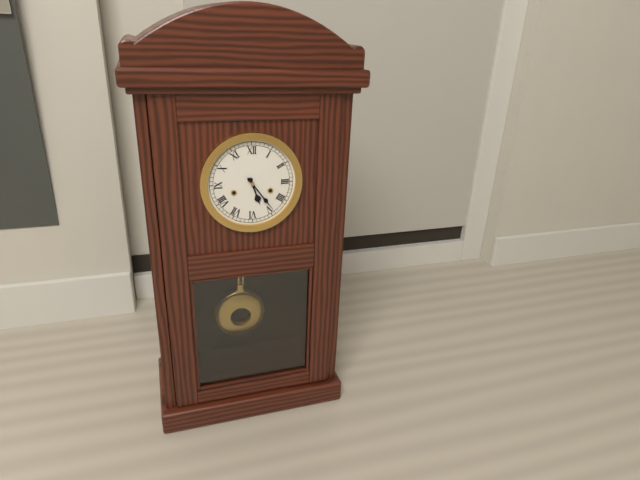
5:24
